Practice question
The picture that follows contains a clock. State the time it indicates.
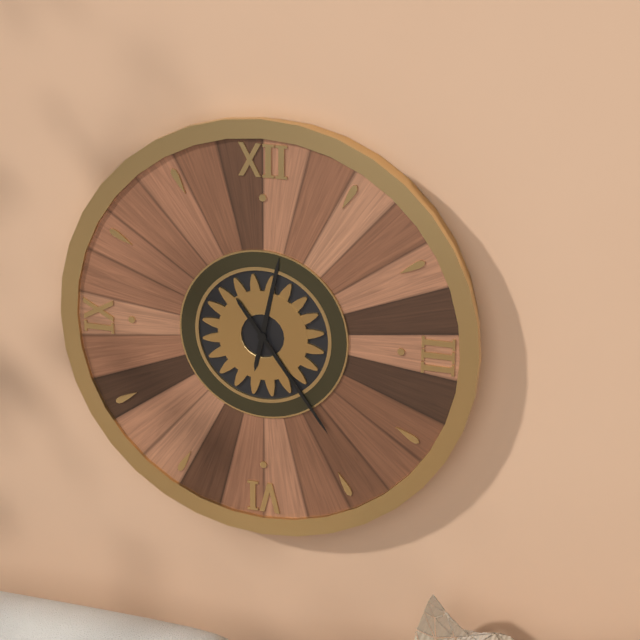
12:24
